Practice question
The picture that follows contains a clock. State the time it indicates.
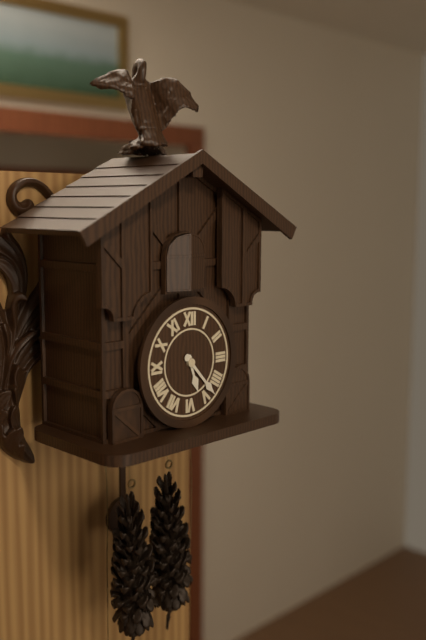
5:23
